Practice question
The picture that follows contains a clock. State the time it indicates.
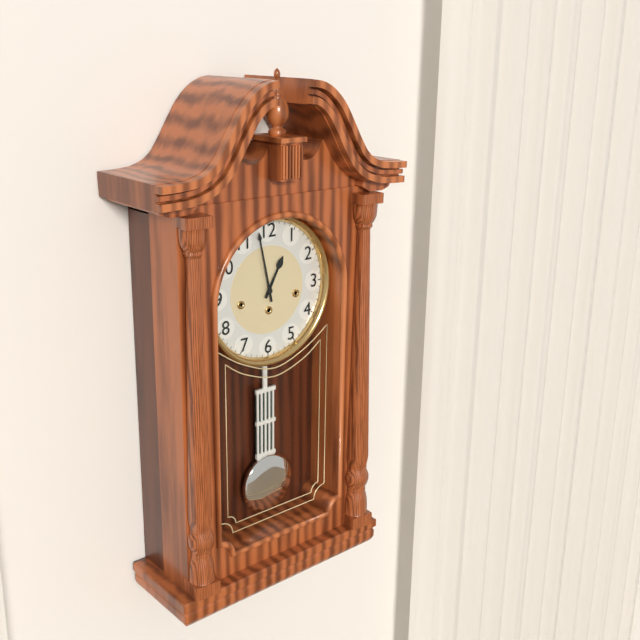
12:58
